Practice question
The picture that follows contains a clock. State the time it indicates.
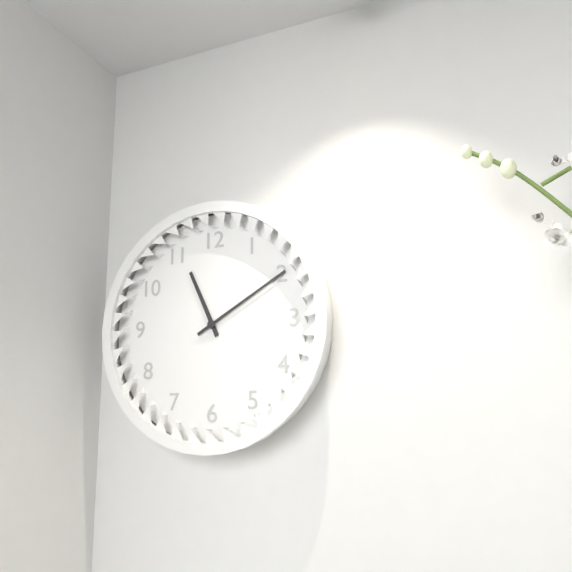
11:10
